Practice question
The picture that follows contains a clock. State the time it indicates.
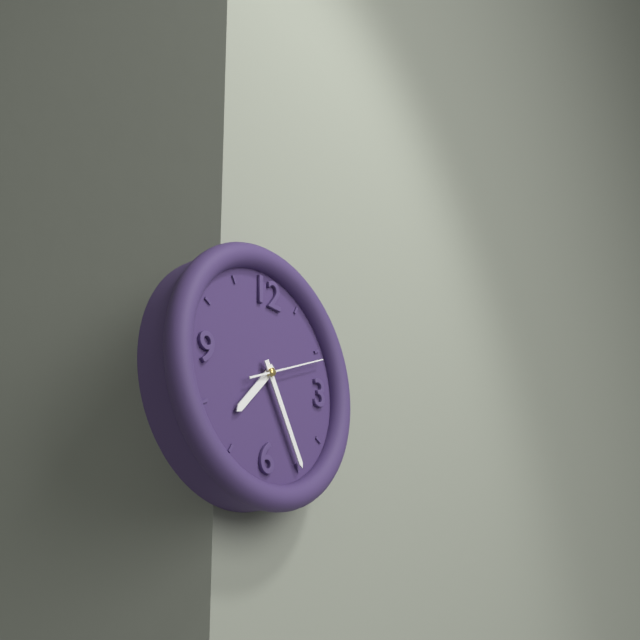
7:25:11
